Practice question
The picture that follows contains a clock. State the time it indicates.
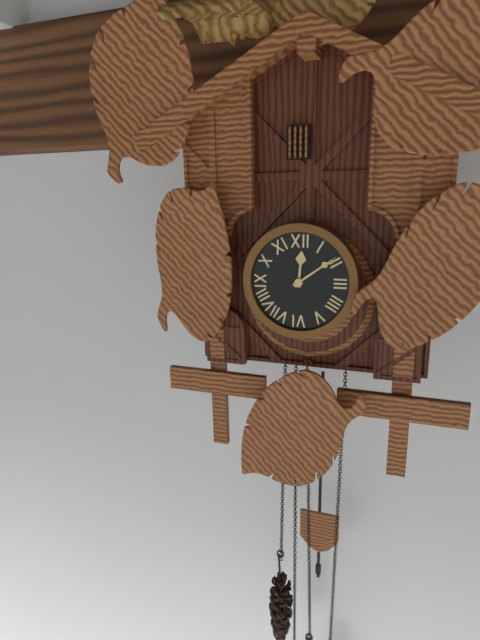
12:09
